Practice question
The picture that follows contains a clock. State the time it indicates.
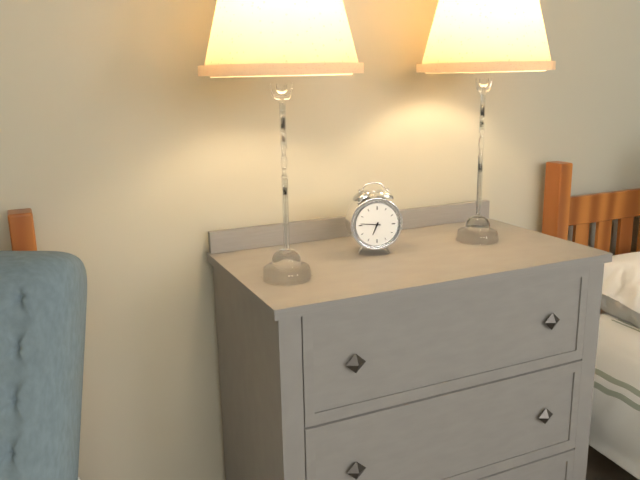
6:46
